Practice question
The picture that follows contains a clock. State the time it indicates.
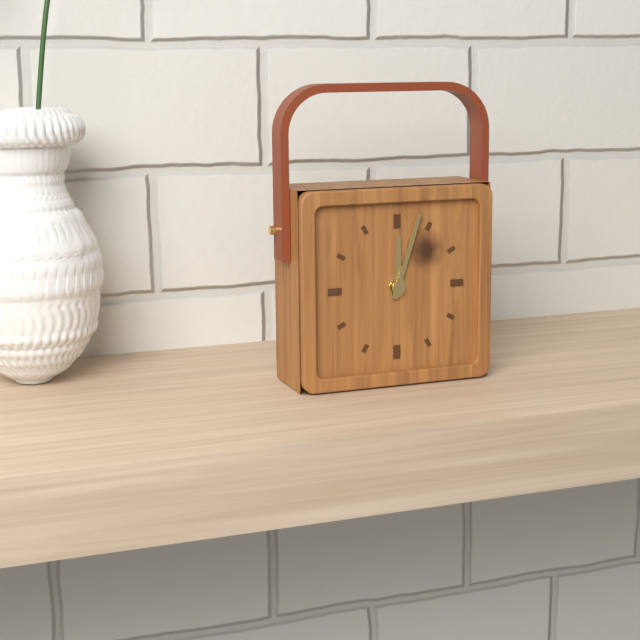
12:03
